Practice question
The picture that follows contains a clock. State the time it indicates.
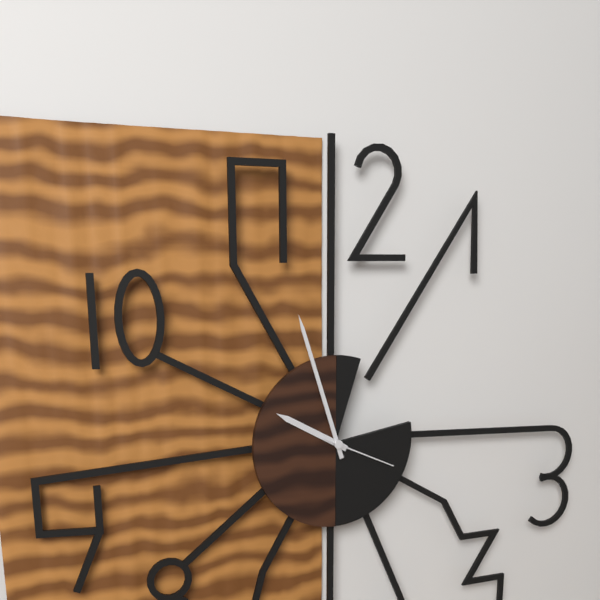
9:57:19
